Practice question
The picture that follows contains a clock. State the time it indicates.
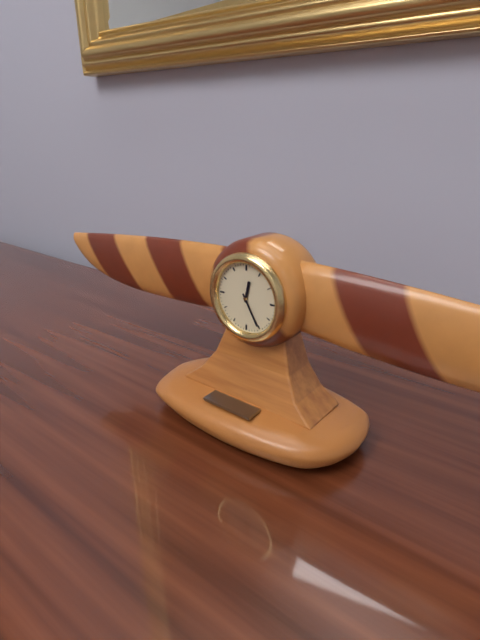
12:25
